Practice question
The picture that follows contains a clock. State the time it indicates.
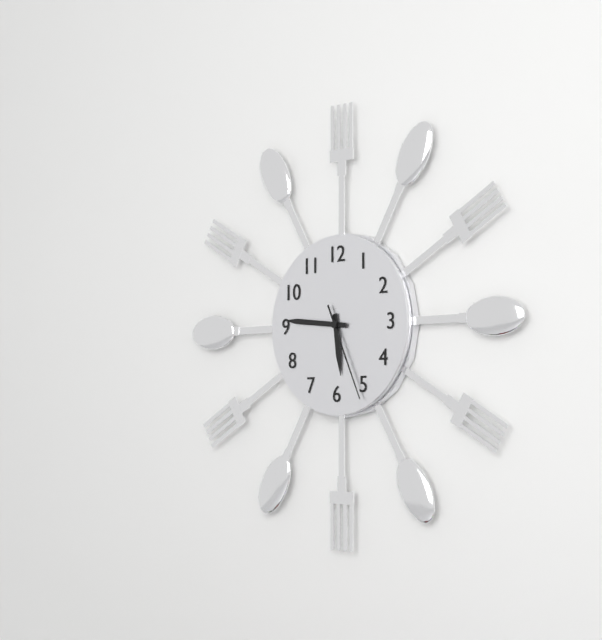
5:46:26
